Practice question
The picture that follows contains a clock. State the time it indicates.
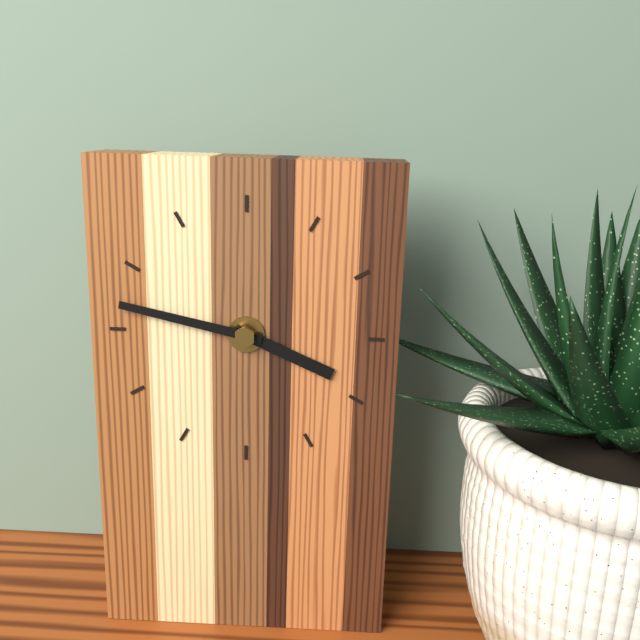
3:47
